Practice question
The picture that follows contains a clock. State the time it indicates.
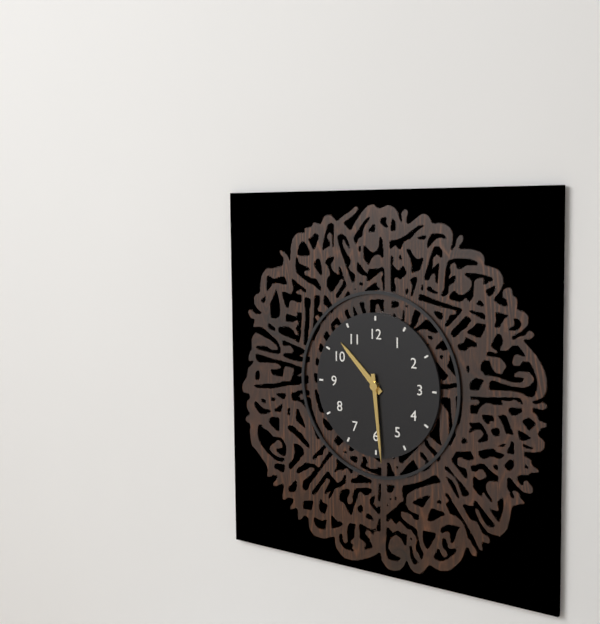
10:29
